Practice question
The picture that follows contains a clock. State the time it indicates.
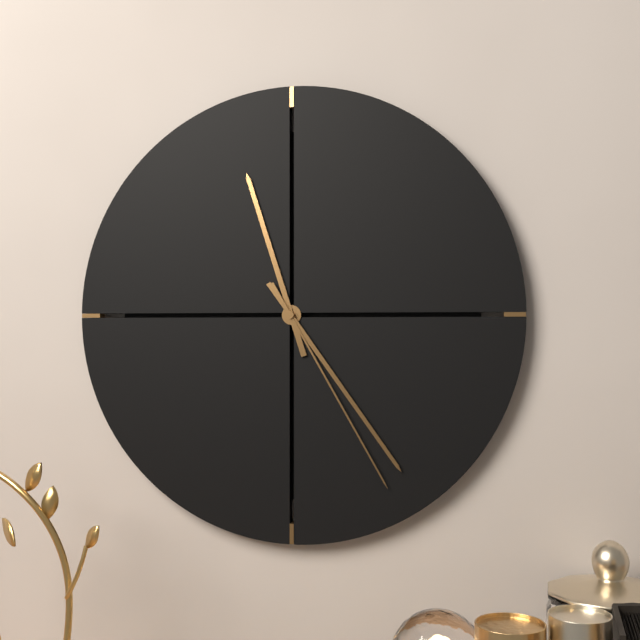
11:24:25
